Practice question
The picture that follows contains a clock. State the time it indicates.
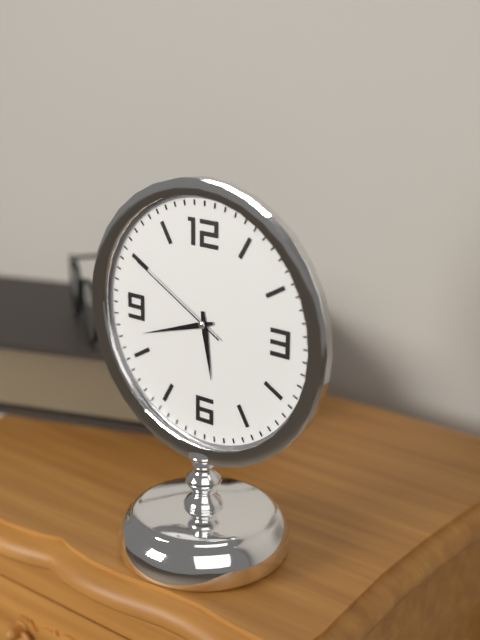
5:42:50
